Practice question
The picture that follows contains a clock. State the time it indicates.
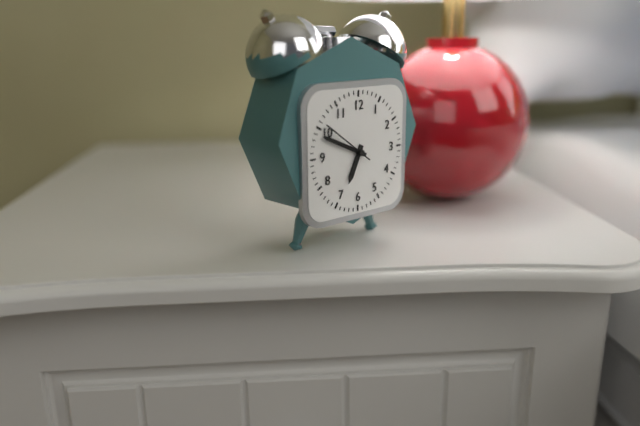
6:49:51
